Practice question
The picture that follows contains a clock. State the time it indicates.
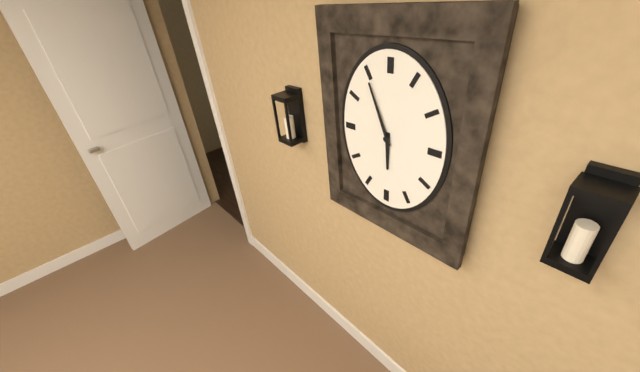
5:56
